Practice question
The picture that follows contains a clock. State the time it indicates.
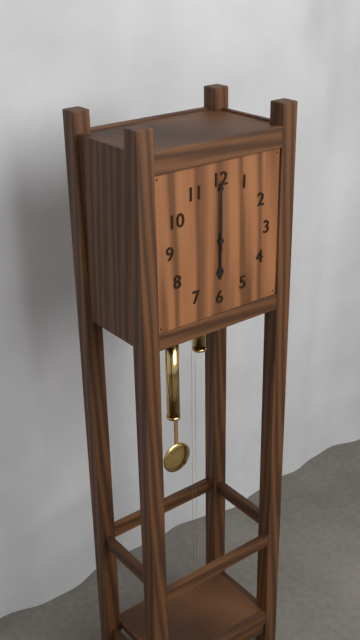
6:00
